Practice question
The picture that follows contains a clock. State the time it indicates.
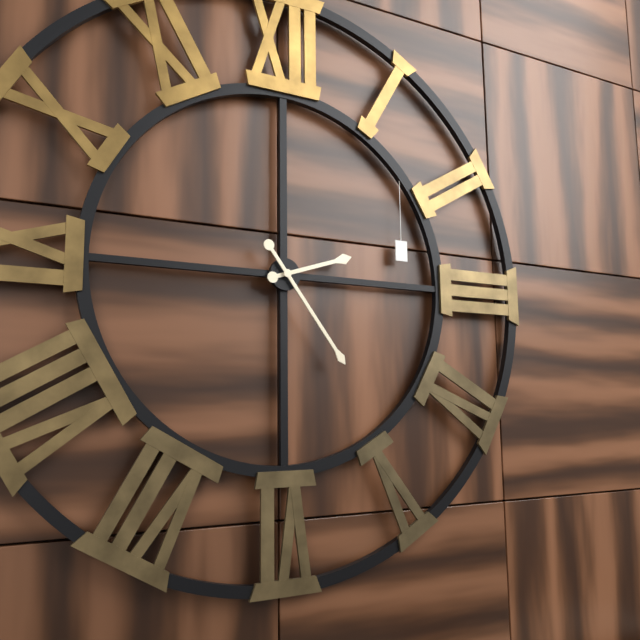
2:24
